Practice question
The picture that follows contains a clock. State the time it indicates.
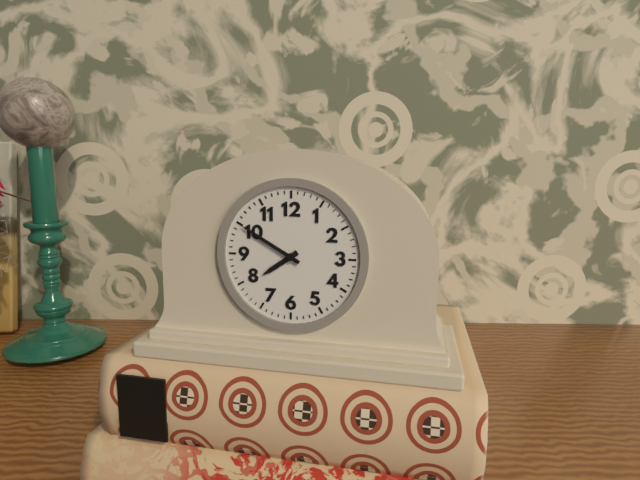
7:50
